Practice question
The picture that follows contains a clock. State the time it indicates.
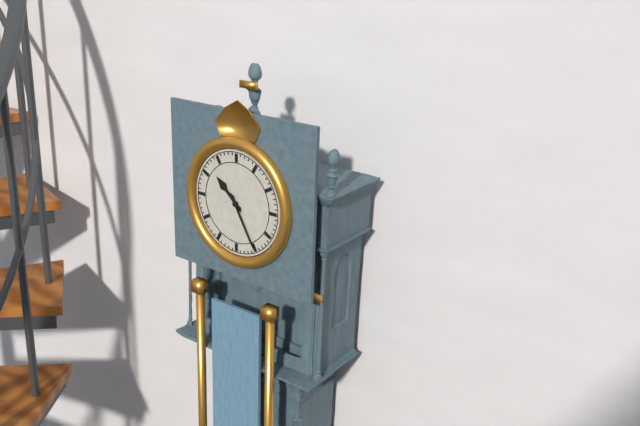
10:25
